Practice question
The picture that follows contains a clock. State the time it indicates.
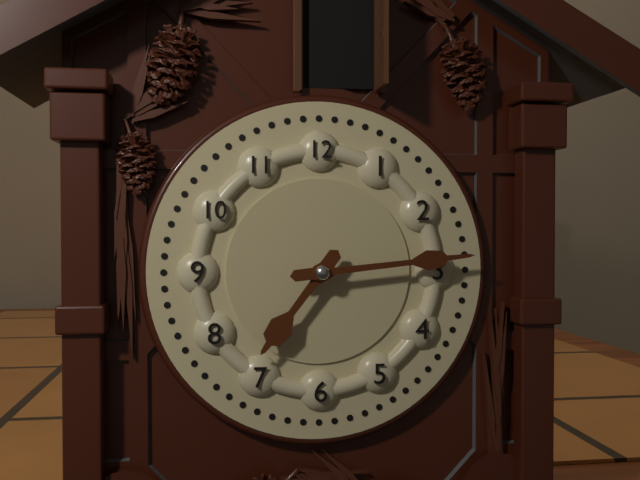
7:14
